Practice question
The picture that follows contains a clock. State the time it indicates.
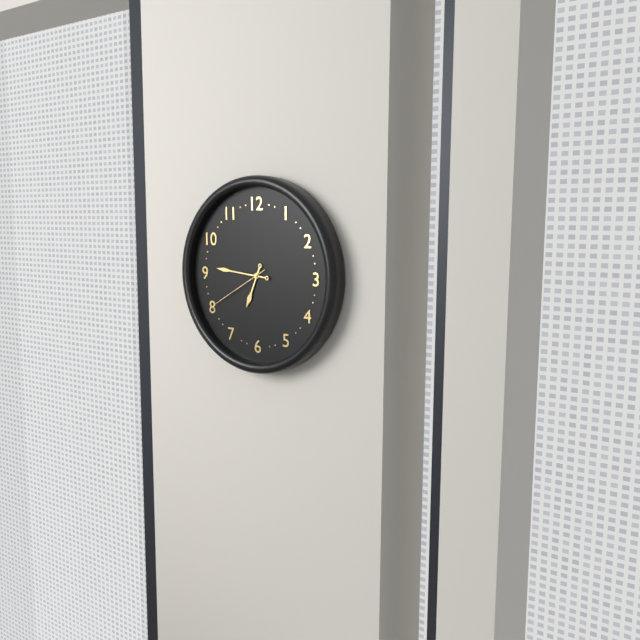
6:46:40
